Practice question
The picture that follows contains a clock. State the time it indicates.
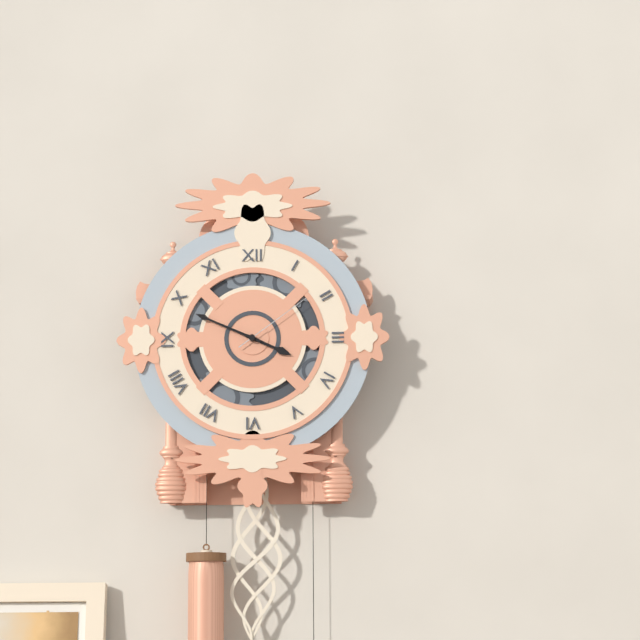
3:49:09
